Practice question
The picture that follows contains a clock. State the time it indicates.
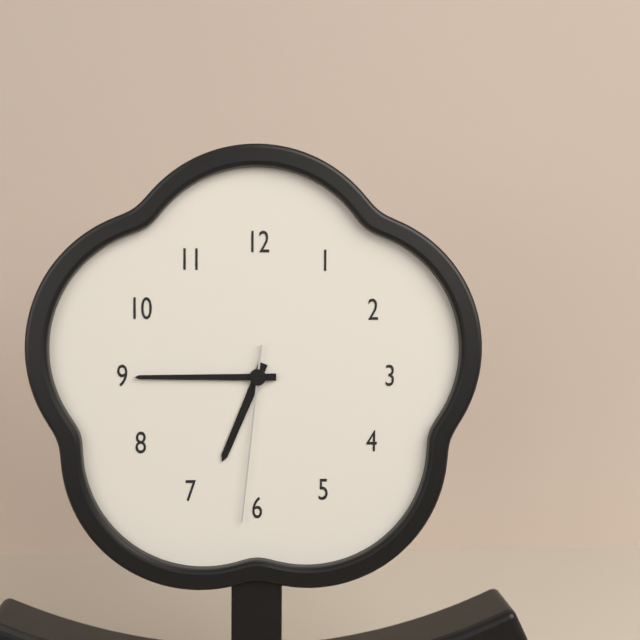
6:45:31
